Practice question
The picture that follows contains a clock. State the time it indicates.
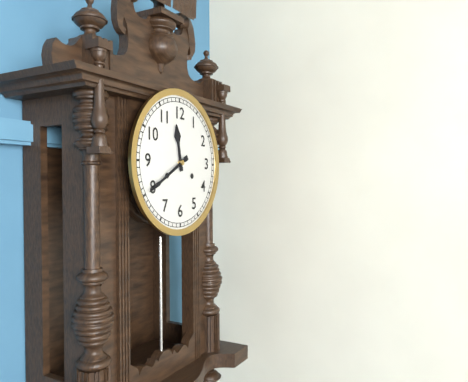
11:40
